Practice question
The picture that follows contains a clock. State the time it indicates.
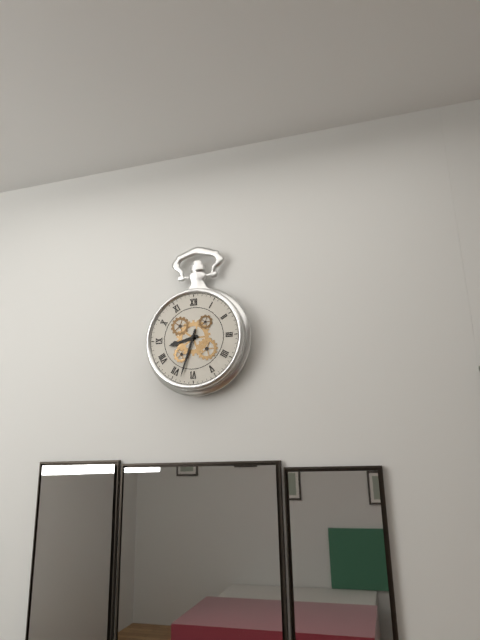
8:33
